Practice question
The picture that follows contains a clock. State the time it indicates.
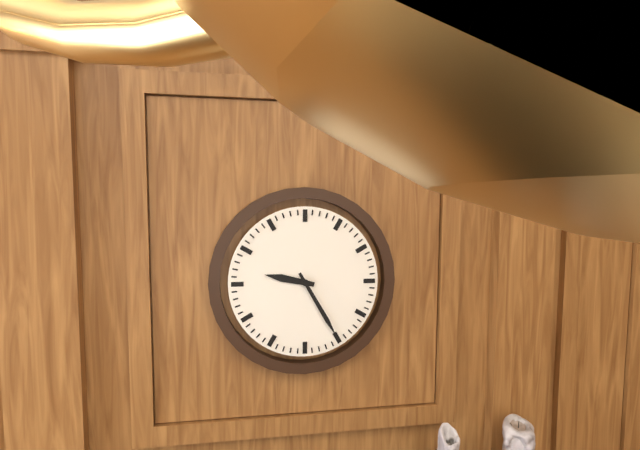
9:25
